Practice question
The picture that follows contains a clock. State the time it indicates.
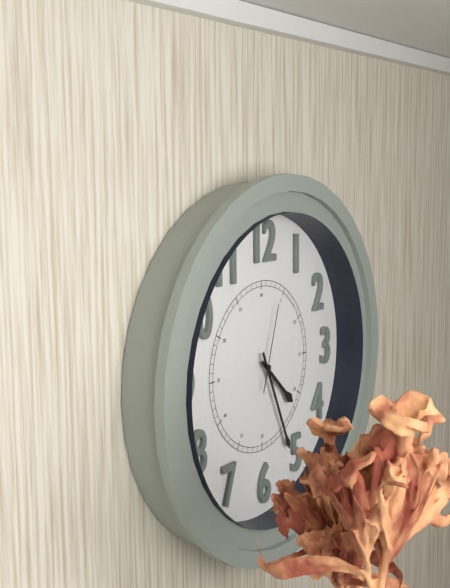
4:26:03
